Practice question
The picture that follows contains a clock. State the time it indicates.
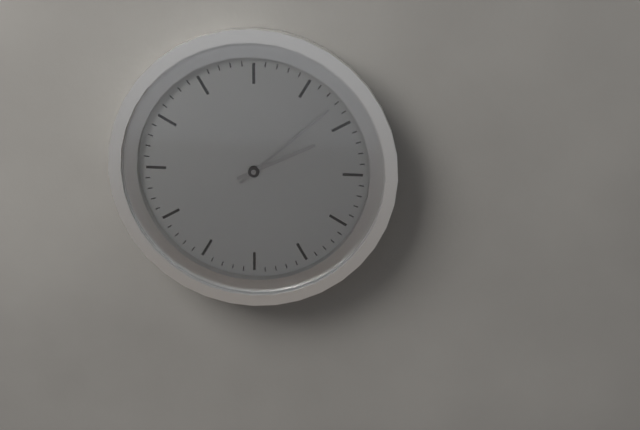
2:08
